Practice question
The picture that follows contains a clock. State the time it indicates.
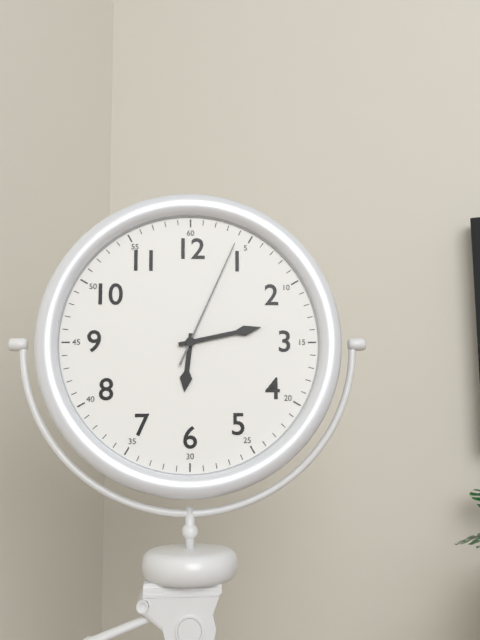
6:13:04
